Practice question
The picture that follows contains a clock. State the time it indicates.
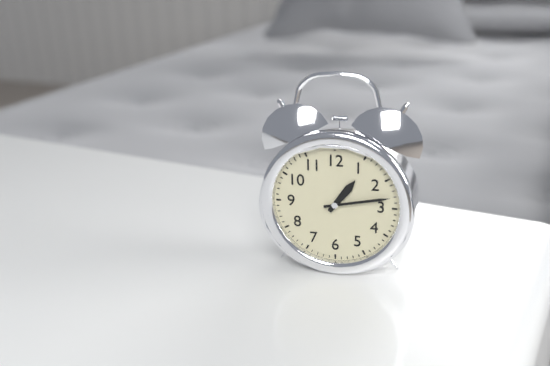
1:13
